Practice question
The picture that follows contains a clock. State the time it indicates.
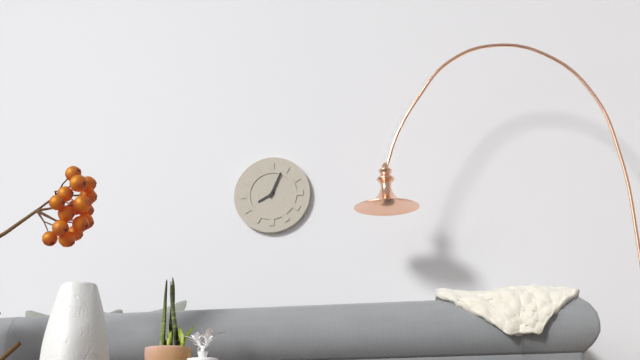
8:04
